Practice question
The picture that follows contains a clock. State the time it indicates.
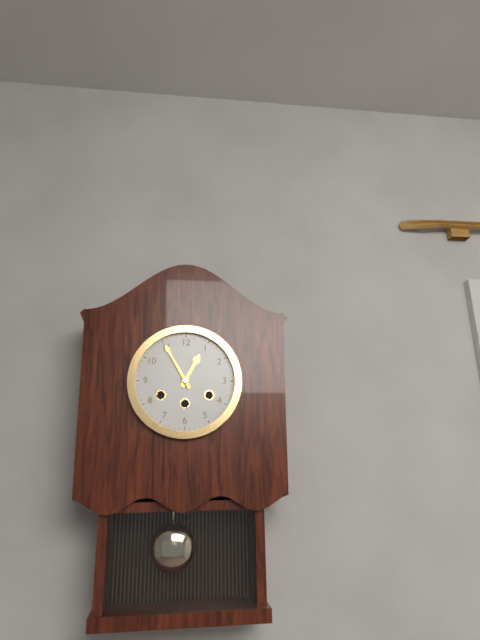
12:55
